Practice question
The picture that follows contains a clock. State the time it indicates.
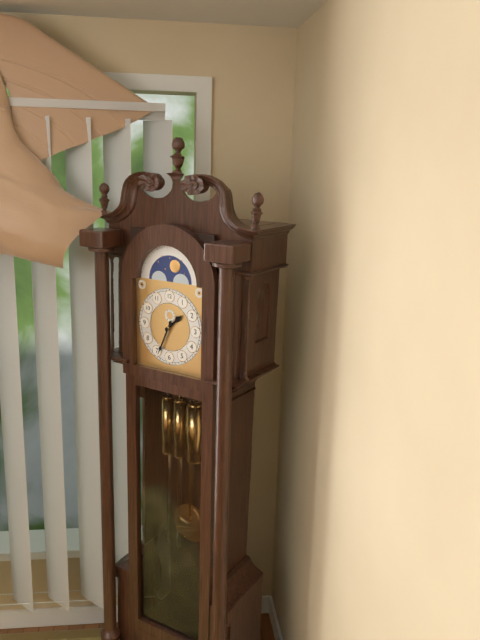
1:34
